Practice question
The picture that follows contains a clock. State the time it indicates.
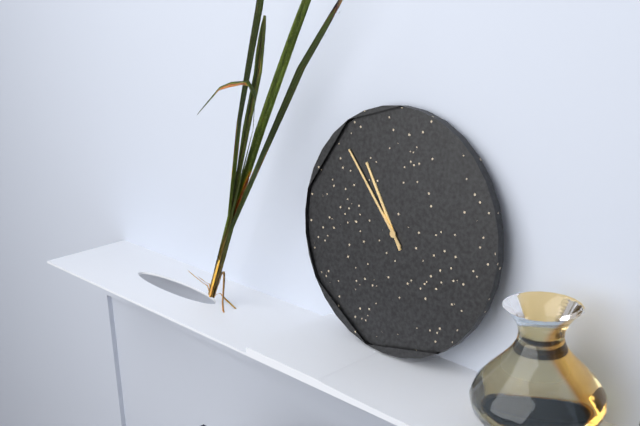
10:53
